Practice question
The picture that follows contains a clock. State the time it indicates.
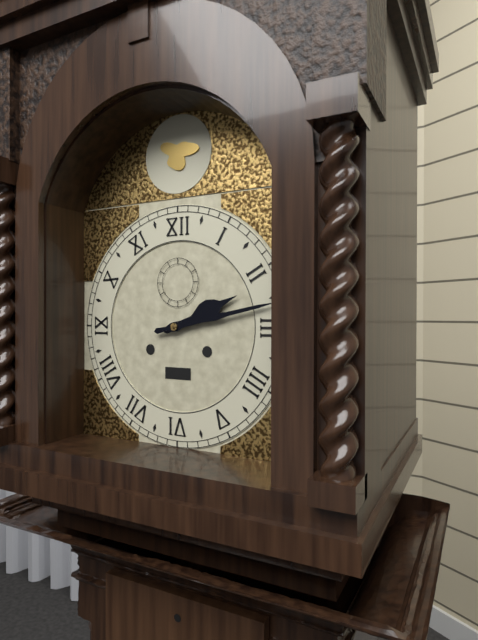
2:13
